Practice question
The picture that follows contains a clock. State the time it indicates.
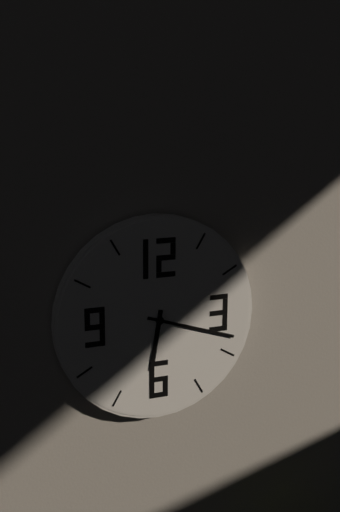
6:18
